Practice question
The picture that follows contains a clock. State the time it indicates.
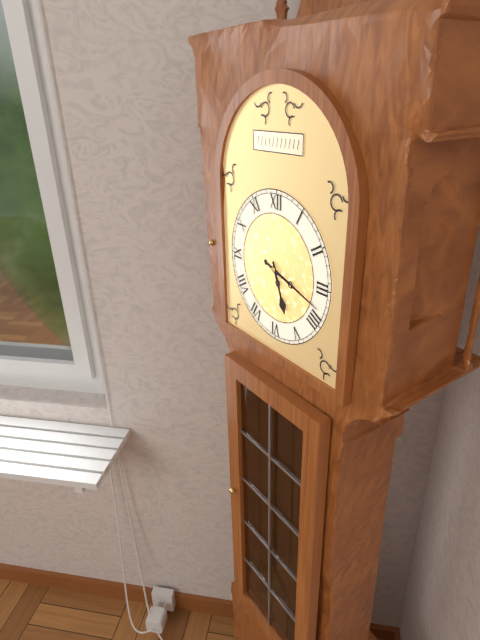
5:18
